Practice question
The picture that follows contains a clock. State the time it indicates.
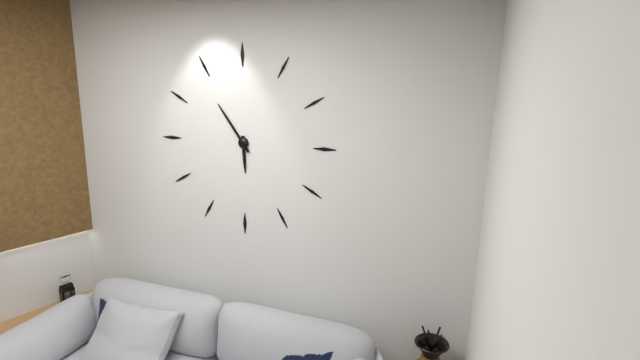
5:54
